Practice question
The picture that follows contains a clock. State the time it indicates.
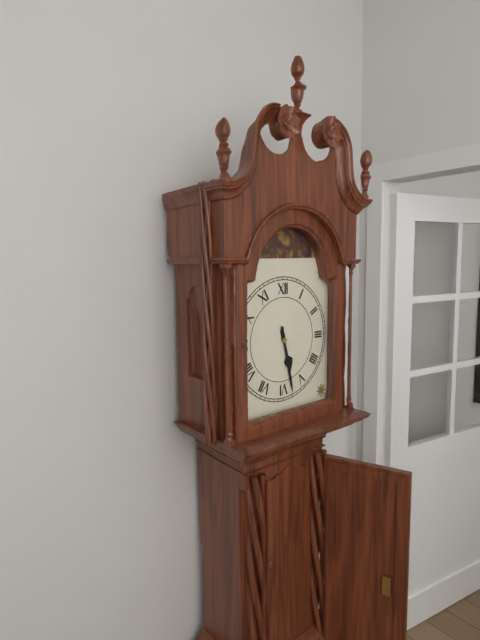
5:28
